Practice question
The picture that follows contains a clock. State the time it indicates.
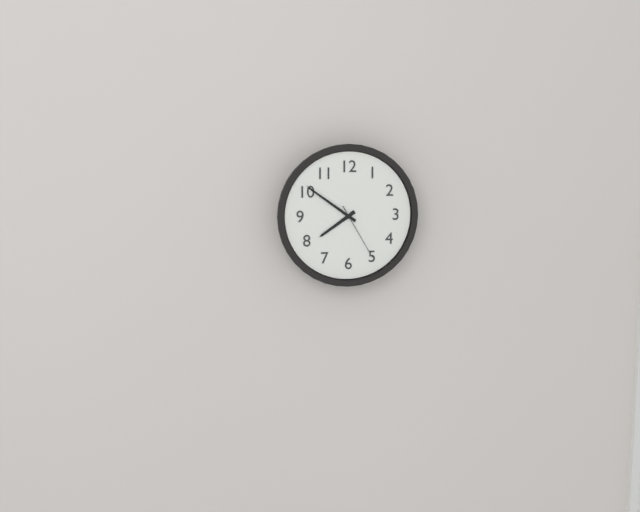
7:51:25
